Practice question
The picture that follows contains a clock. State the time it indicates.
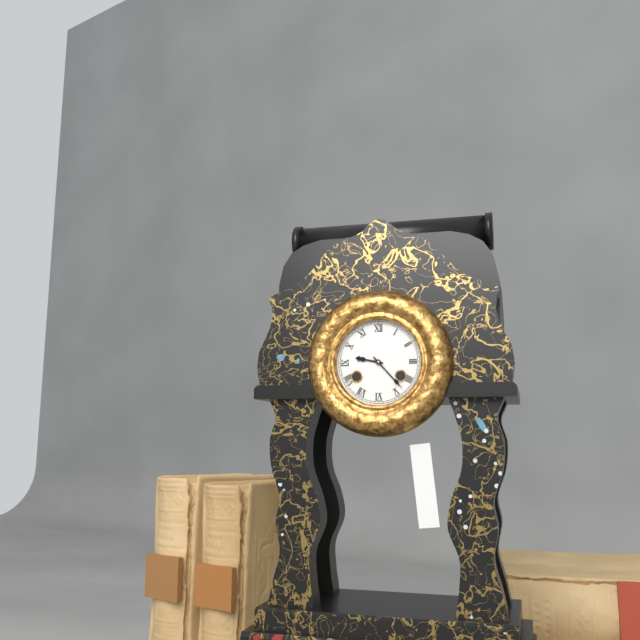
9:23
